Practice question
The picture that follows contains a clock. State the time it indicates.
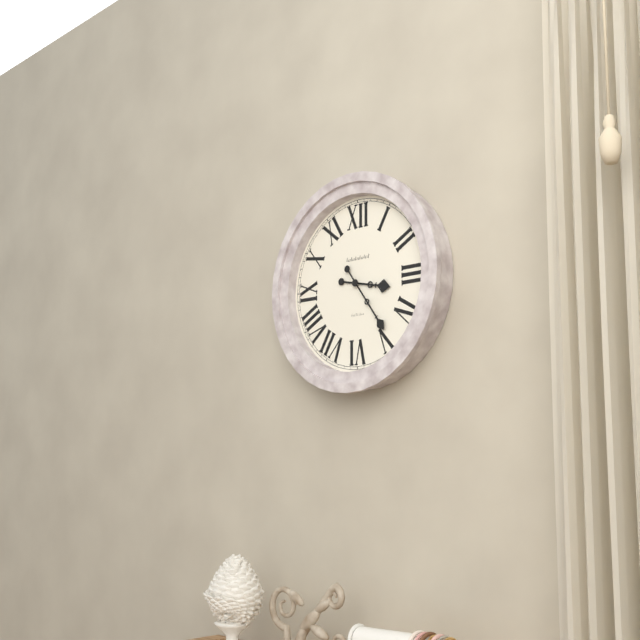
3:24
